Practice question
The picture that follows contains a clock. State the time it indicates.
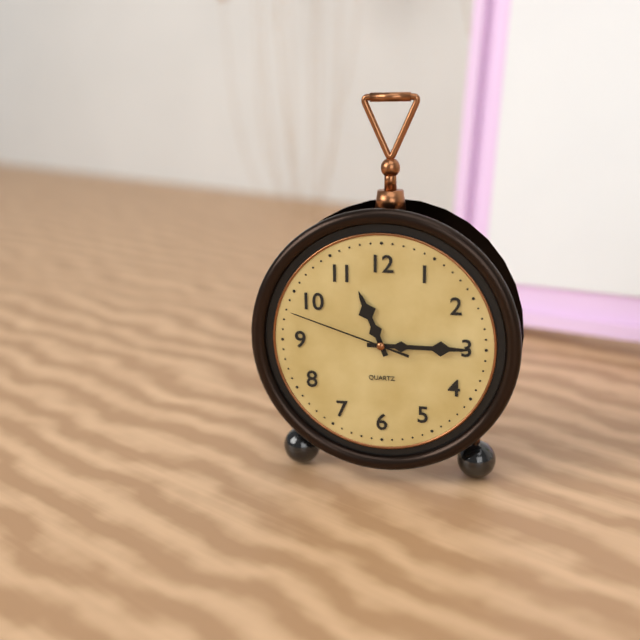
11:15:48
